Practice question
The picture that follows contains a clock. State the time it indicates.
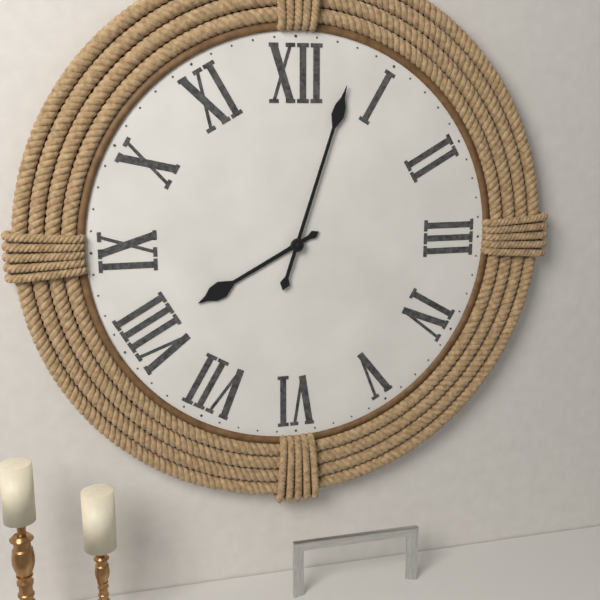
8:03
